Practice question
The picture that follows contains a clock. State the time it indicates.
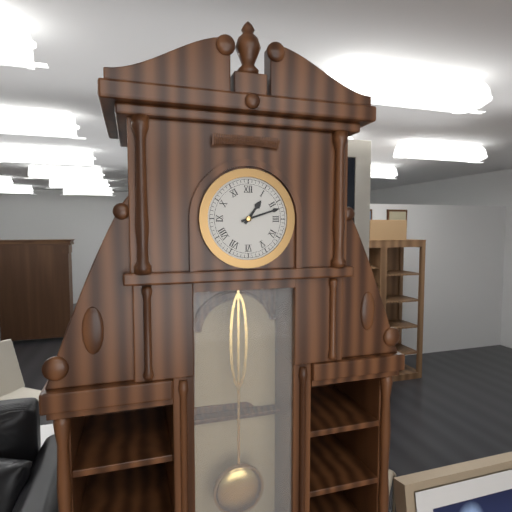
1:12
